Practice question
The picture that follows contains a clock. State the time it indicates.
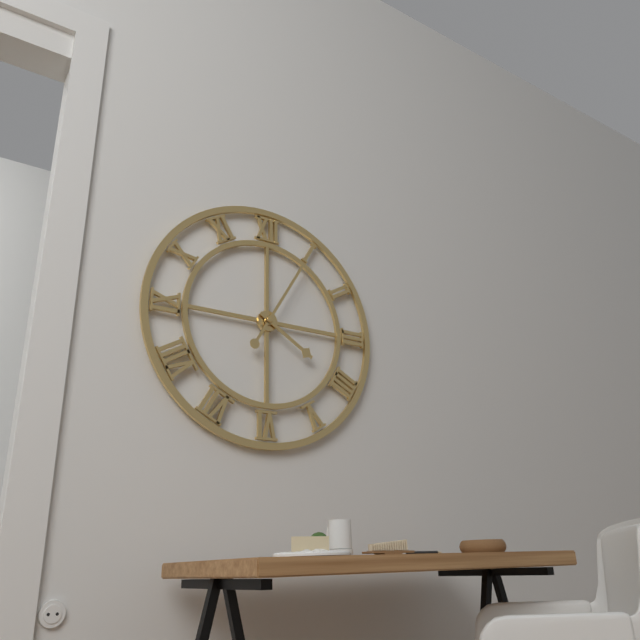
4:05
